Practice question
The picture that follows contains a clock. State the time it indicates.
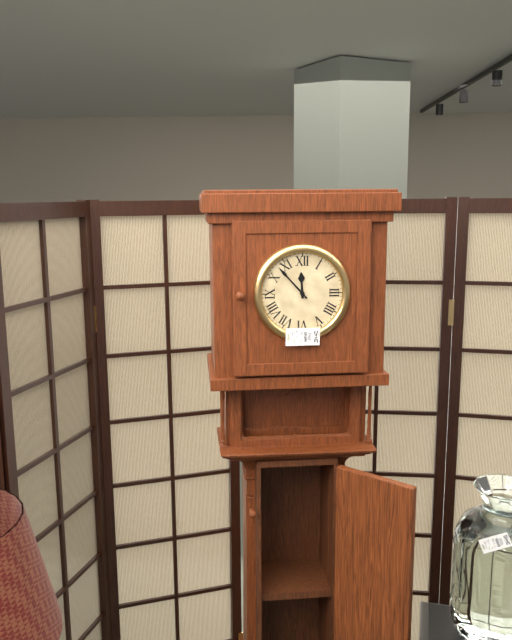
11:53
